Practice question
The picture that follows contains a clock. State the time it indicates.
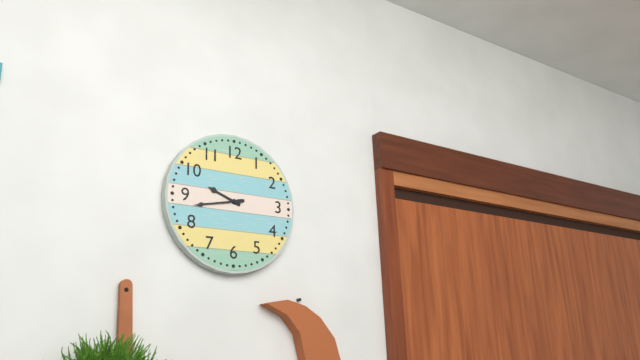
9:43
